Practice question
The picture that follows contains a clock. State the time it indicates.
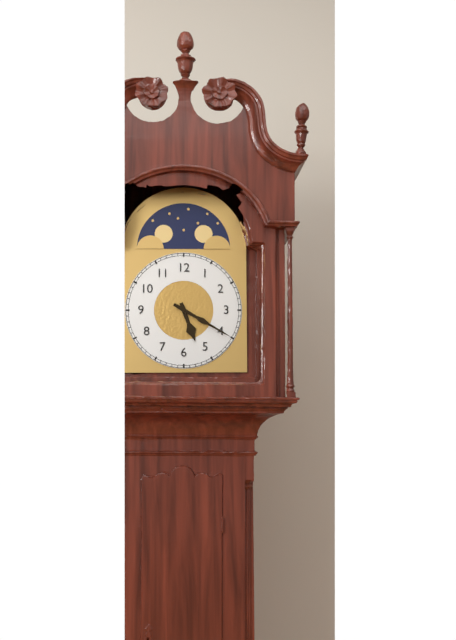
5:20
